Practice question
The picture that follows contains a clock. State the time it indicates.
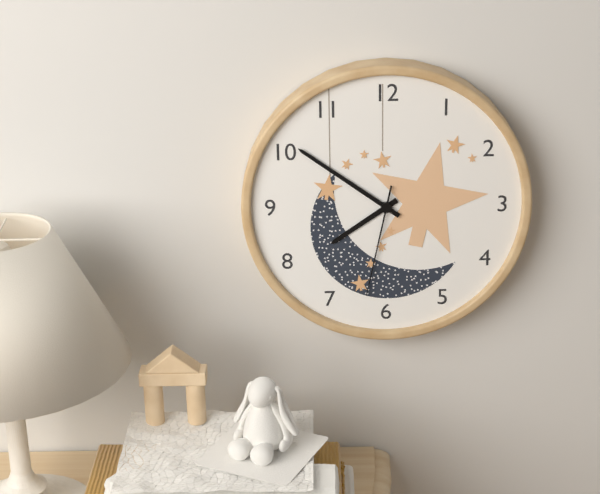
7:51:32
